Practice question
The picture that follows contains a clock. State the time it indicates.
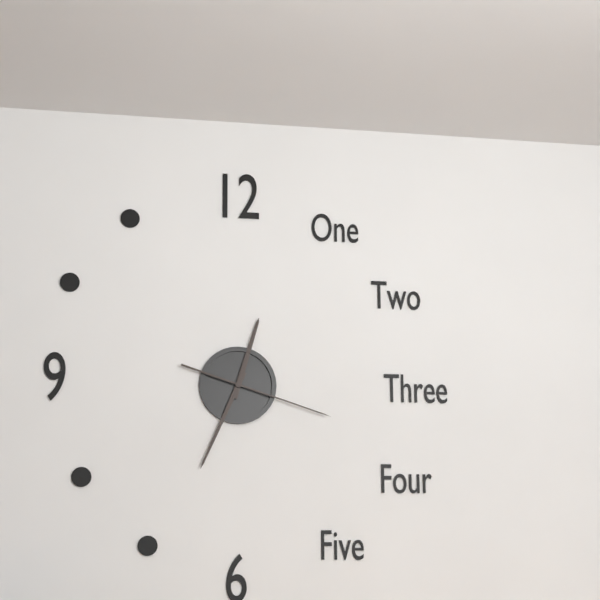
12:34:18
